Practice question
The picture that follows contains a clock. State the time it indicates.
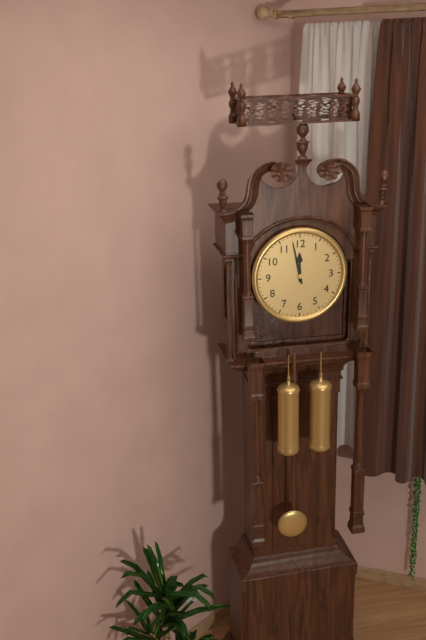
11:58
